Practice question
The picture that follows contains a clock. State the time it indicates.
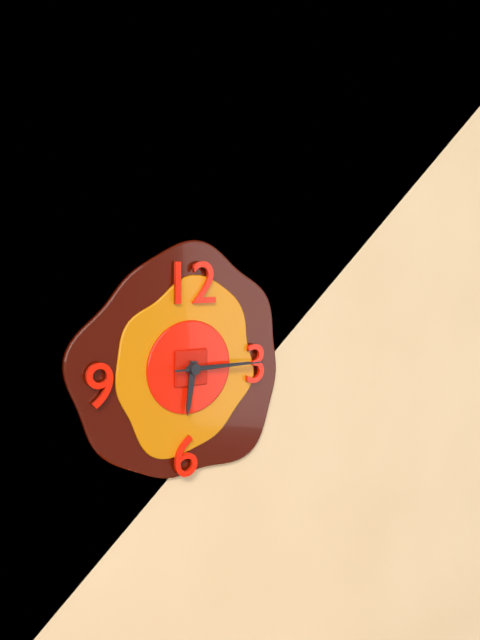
6:15:15
